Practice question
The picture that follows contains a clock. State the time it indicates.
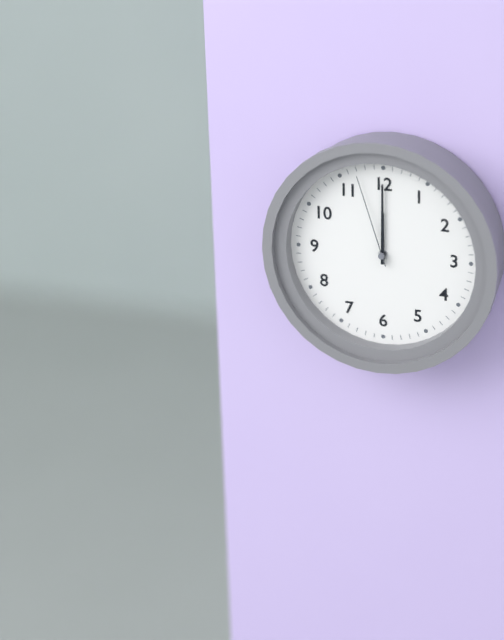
12:00:57
